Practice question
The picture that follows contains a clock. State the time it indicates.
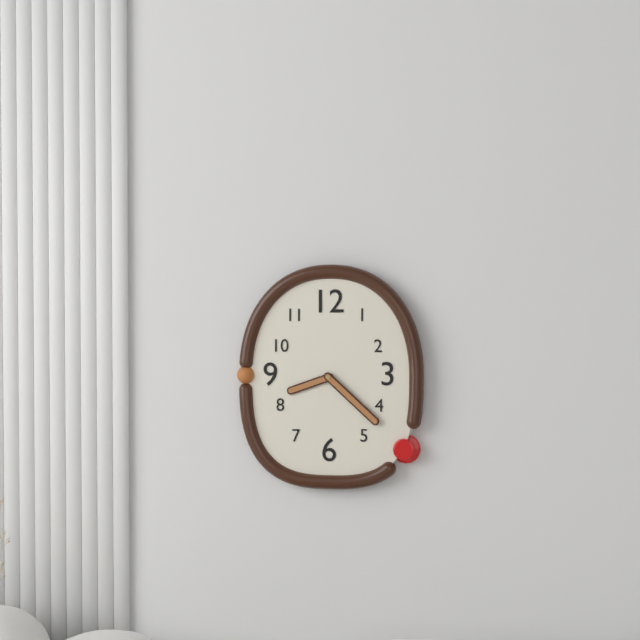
8:22
